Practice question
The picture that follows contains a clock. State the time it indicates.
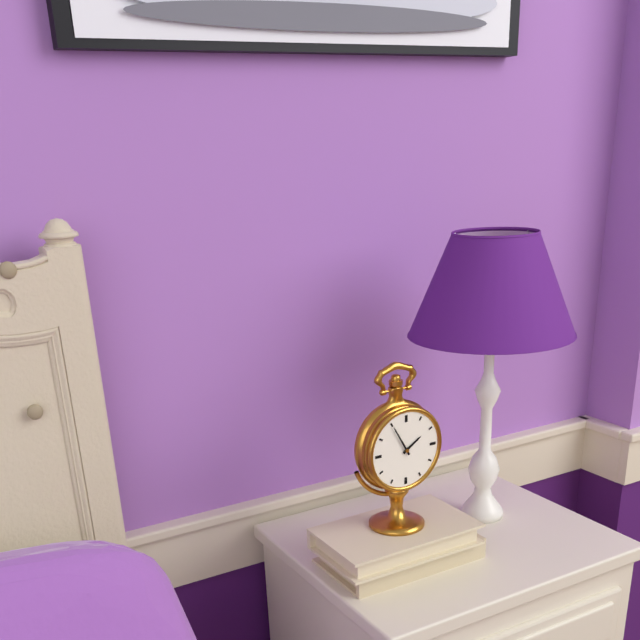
1:55
